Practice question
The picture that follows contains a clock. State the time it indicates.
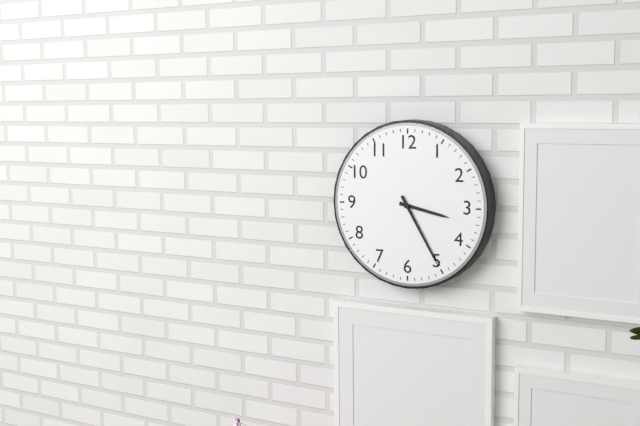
3:25
